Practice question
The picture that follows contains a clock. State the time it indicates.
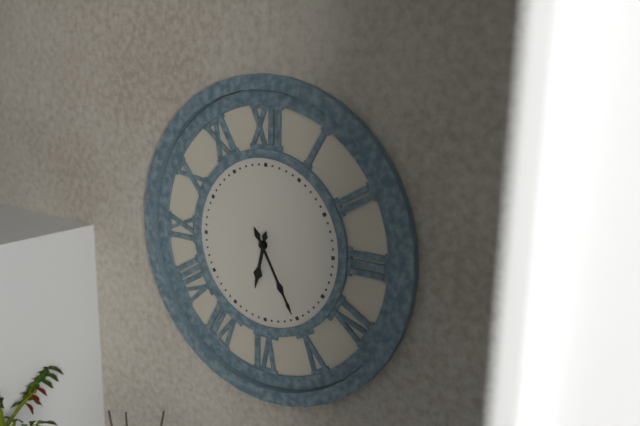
6:25
